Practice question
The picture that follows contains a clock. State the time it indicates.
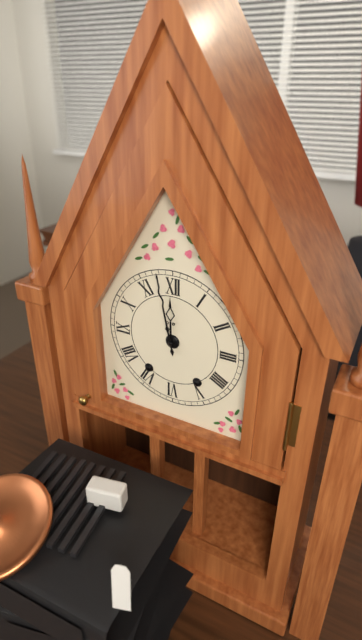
11:58
